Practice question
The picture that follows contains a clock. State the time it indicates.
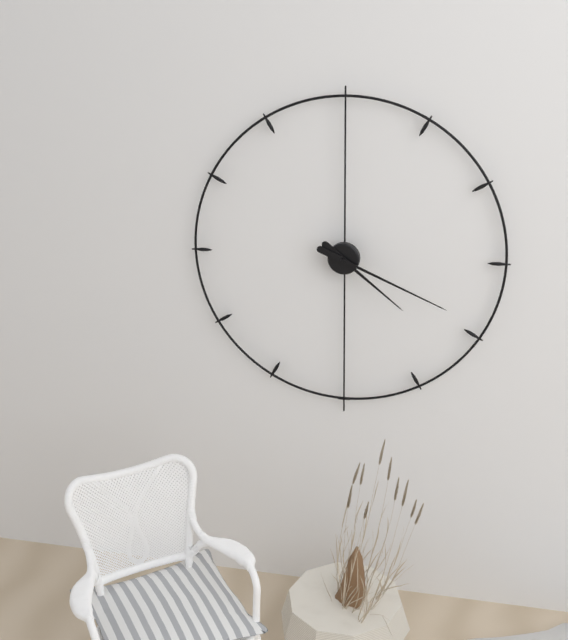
4:19
